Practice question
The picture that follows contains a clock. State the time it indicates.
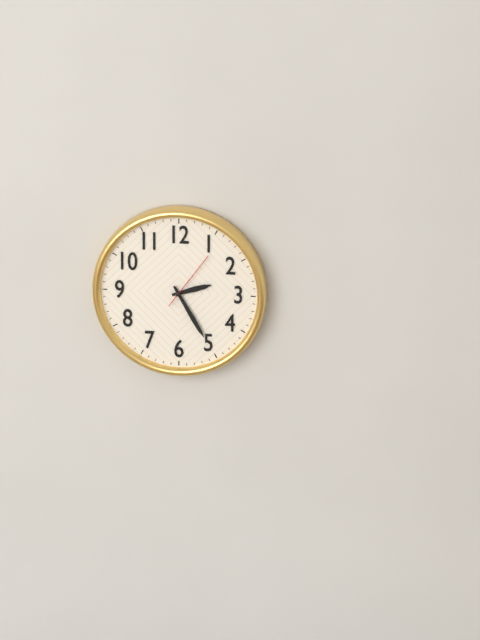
2:25:06
